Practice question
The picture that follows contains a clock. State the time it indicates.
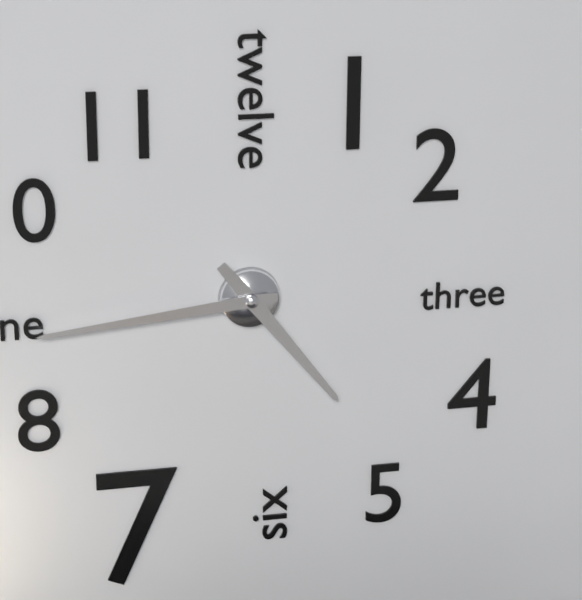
4:44
